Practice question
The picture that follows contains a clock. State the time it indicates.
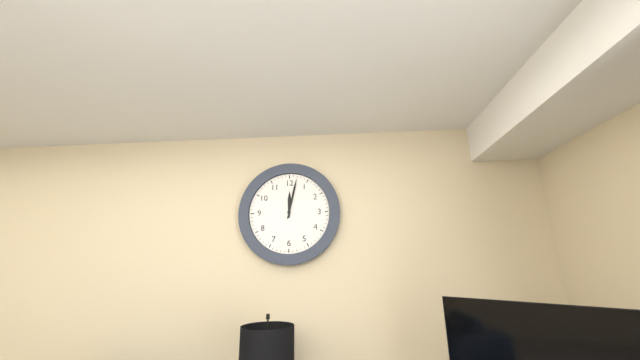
12:02
